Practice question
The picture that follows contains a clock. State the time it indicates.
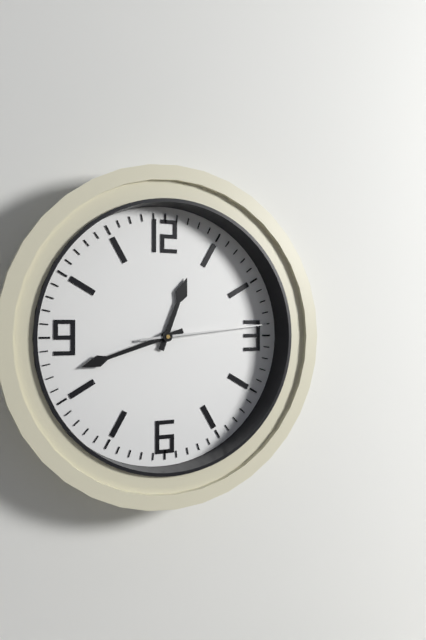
12:42:14
